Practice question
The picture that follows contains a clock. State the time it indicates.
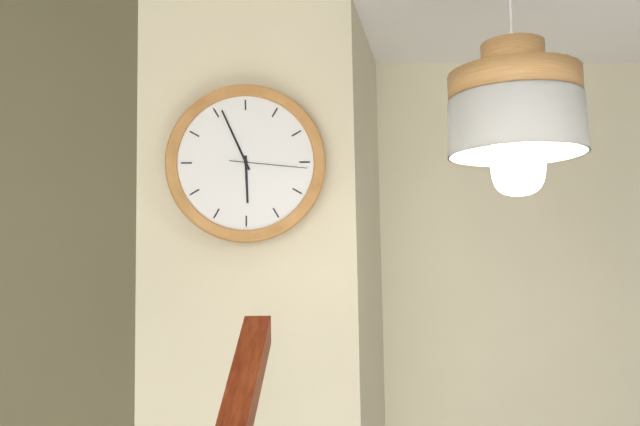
5:56:16
